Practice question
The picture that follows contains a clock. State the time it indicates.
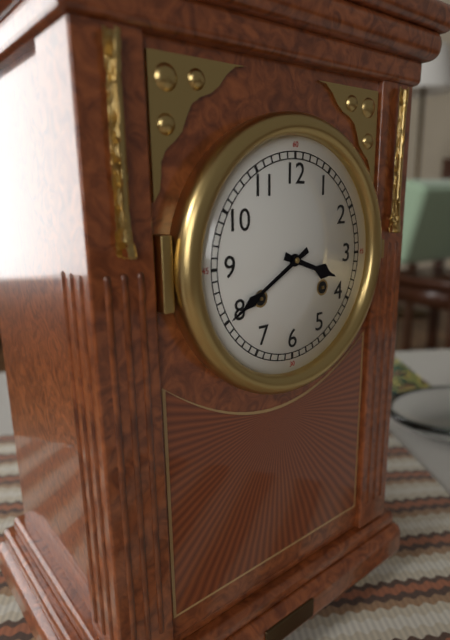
3:40
